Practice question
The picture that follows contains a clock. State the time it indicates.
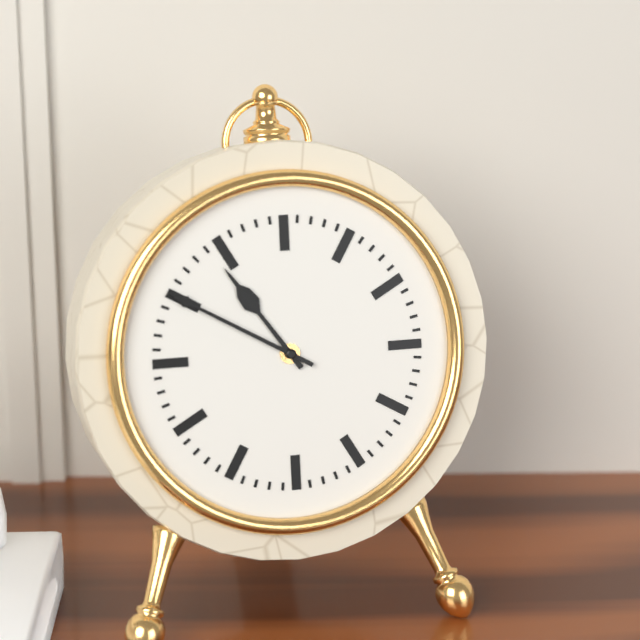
10:50
